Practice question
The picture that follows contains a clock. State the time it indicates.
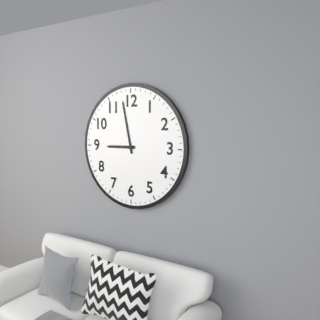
8:58
